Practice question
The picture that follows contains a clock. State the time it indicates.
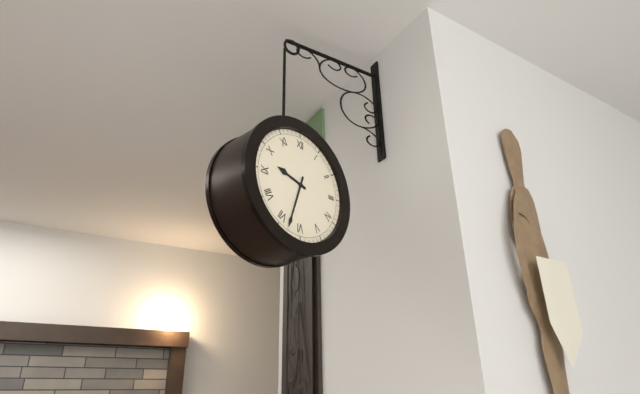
9:33
